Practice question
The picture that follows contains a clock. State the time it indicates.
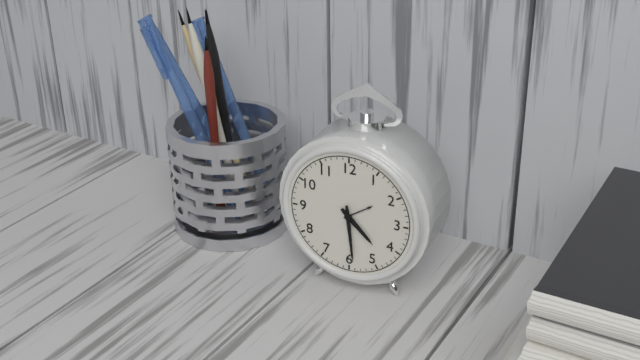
4:29
